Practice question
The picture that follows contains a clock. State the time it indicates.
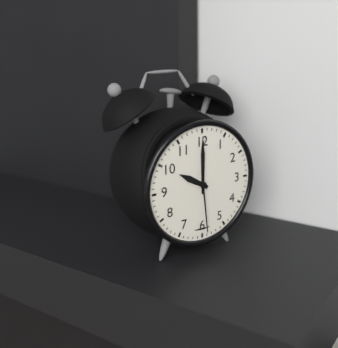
10:00:29
